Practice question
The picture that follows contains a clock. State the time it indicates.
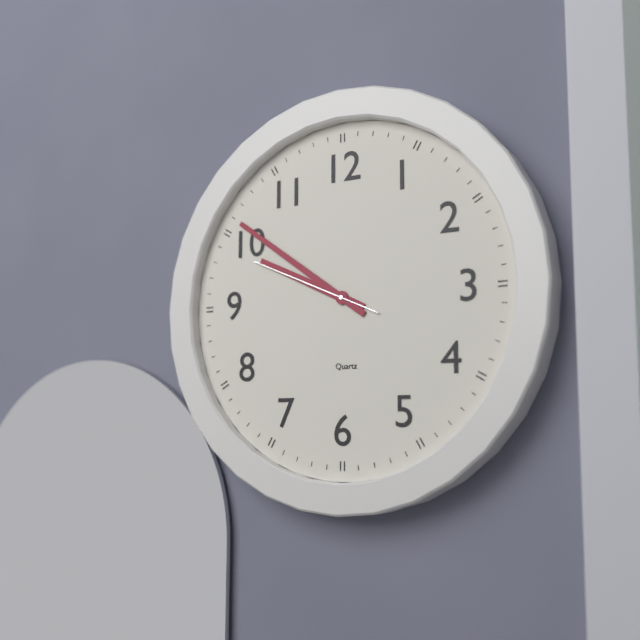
9:51:49
